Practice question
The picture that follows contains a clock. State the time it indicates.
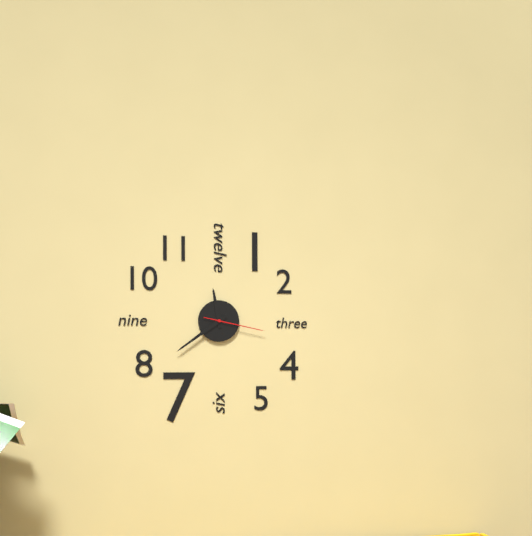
11:39:17
